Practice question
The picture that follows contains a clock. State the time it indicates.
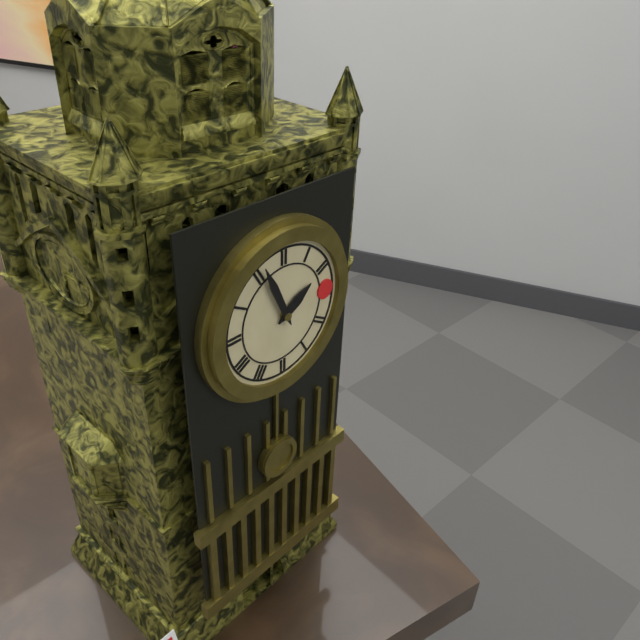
1:56
